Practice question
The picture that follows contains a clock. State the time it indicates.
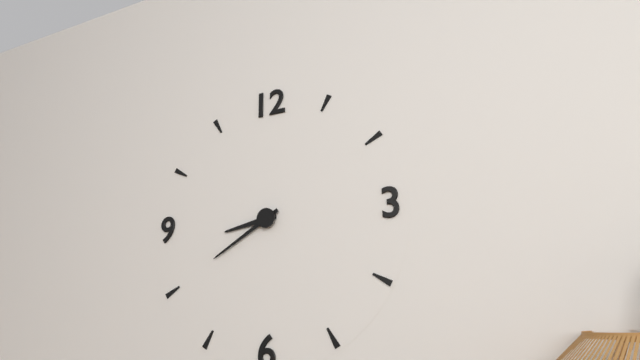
8:40
